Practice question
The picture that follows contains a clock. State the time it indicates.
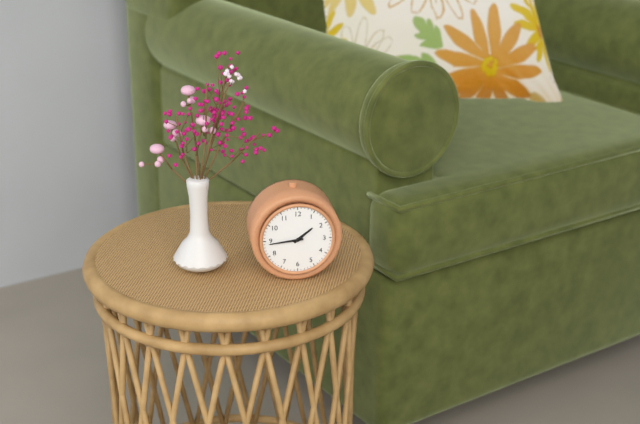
1:44
